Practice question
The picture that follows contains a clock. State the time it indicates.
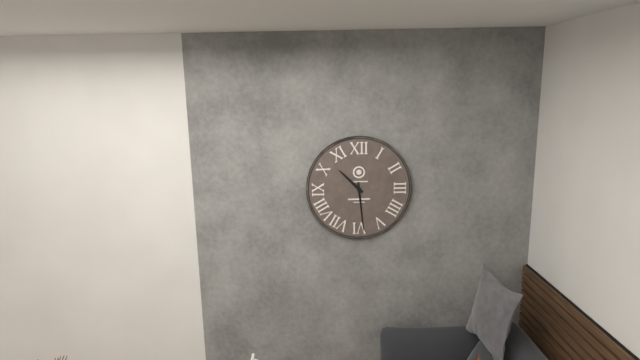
10:29
